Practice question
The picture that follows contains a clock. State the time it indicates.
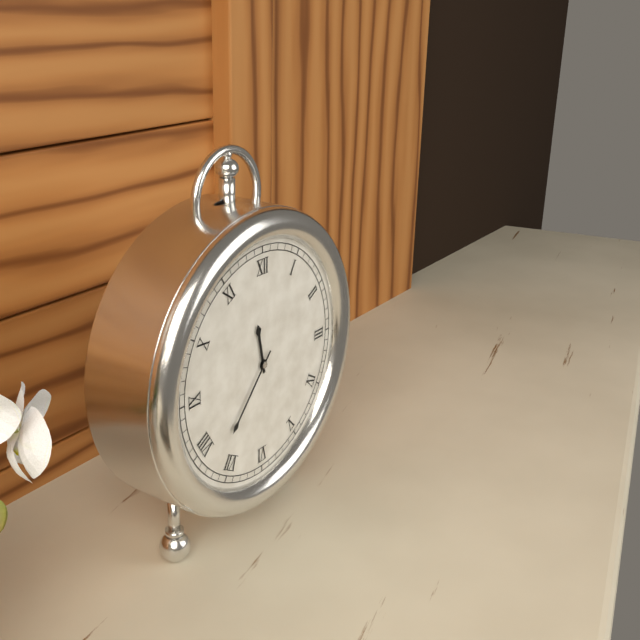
11:37
